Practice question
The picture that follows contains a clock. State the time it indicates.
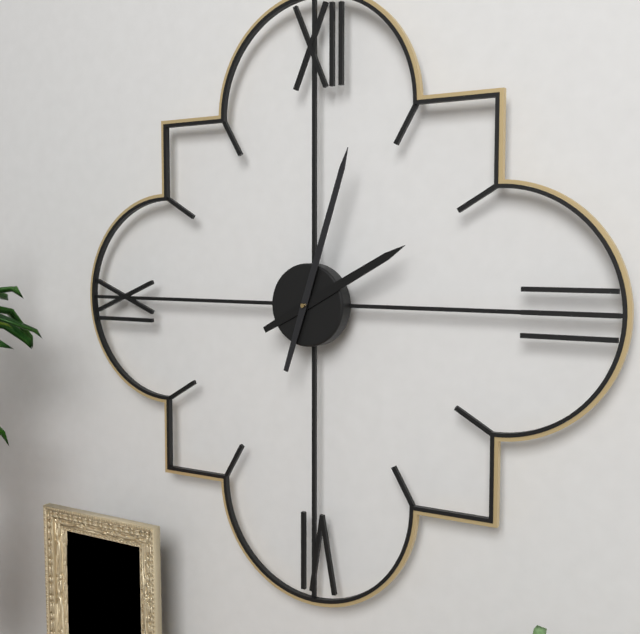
2:03
